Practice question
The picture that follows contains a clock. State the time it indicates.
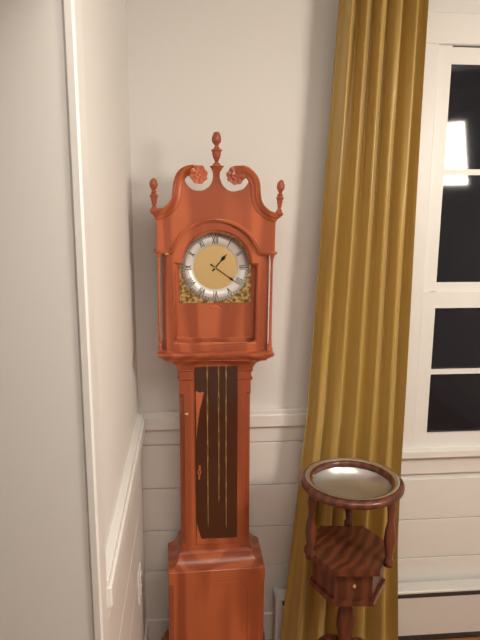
1:21
